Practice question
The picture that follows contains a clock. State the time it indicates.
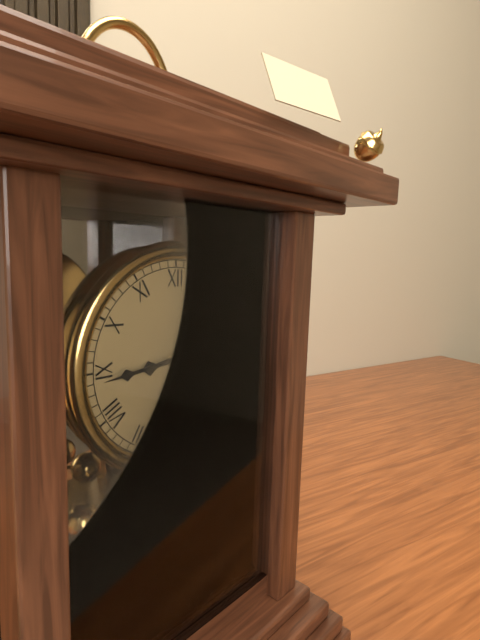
8:44
